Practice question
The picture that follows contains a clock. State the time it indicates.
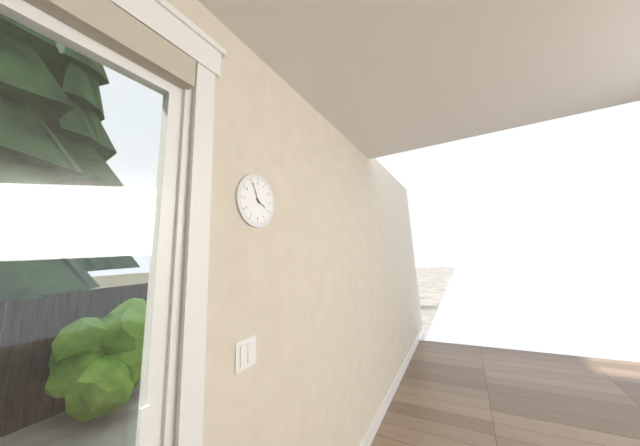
3:56
